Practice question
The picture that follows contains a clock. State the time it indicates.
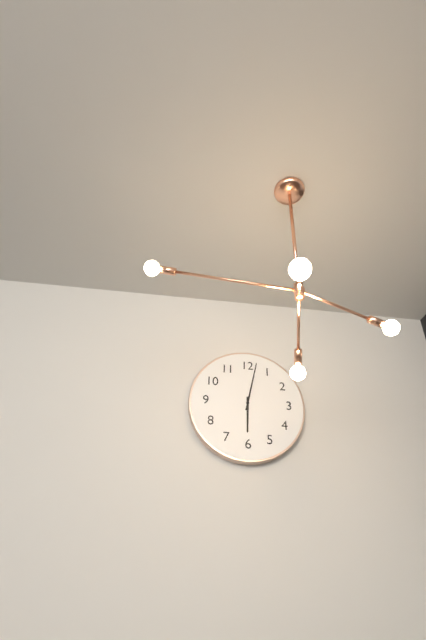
6:02
